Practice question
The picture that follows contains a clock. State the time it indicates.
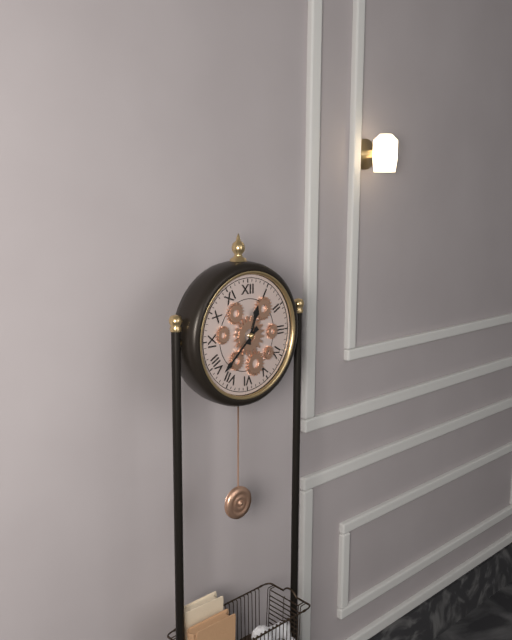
12:38
